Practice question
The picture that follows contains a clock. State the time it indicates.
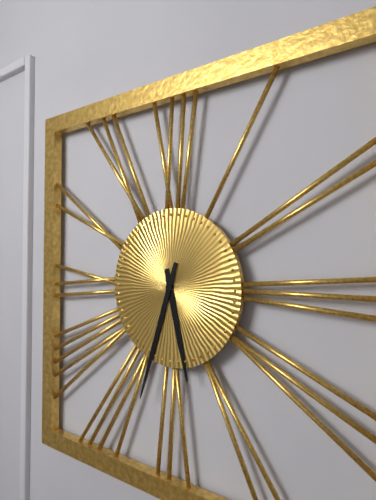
5:33
